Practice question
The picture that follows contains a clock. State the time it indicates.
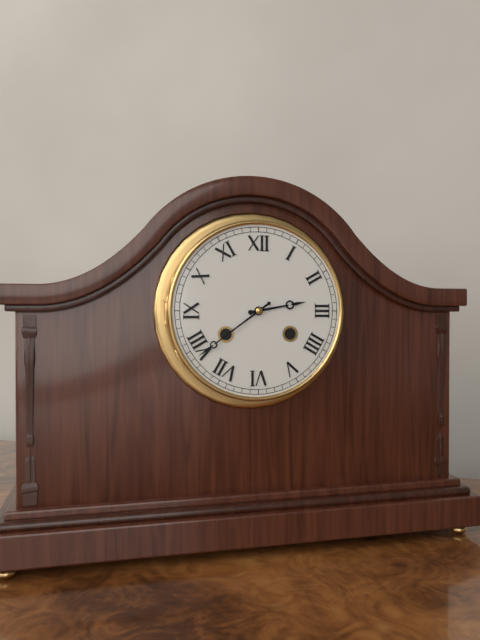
2:39
